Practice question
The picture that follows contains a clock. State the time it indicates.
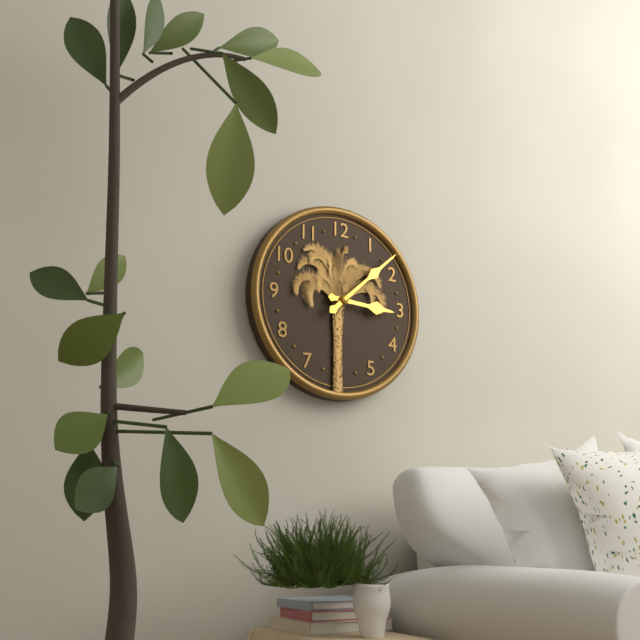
3:08
